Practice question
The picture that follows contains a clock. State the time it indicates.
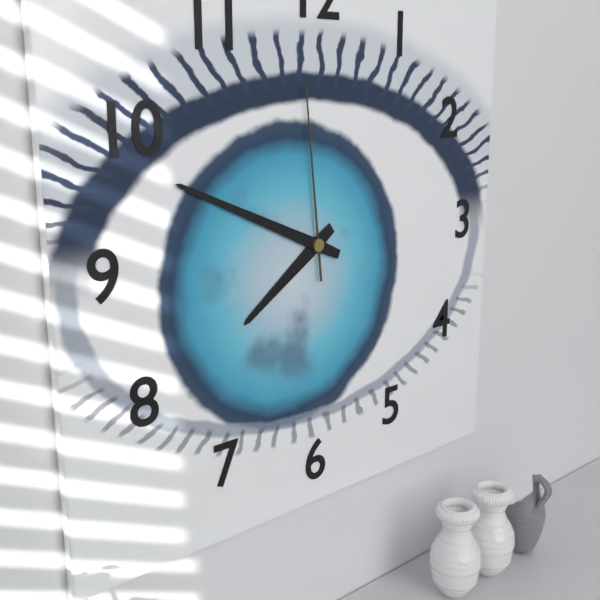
7:49:59
